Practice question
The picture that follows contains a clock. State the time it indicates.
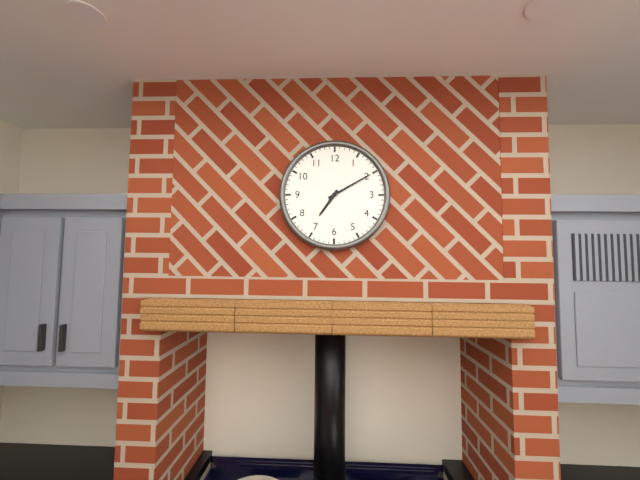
7:10
